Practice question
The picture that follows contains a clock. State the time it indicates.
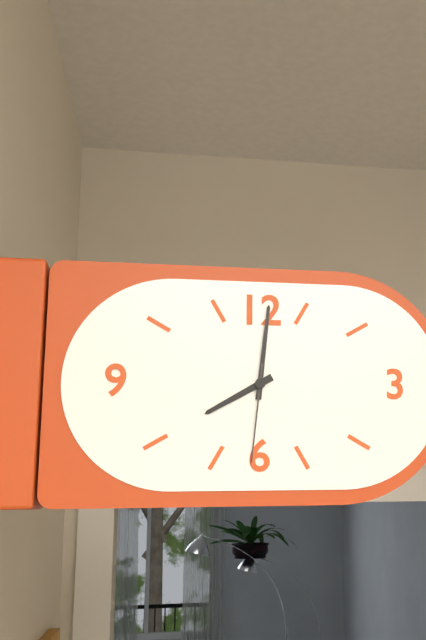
8:01:31
